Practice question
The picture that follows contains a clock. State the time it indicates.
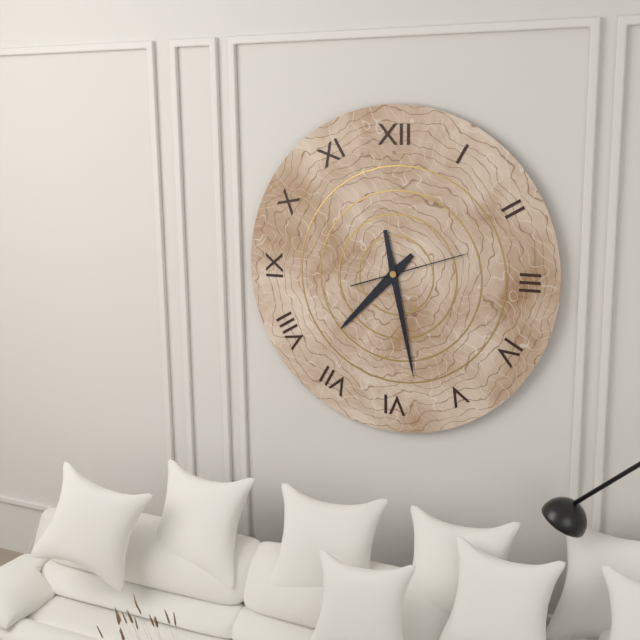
7:28:12
